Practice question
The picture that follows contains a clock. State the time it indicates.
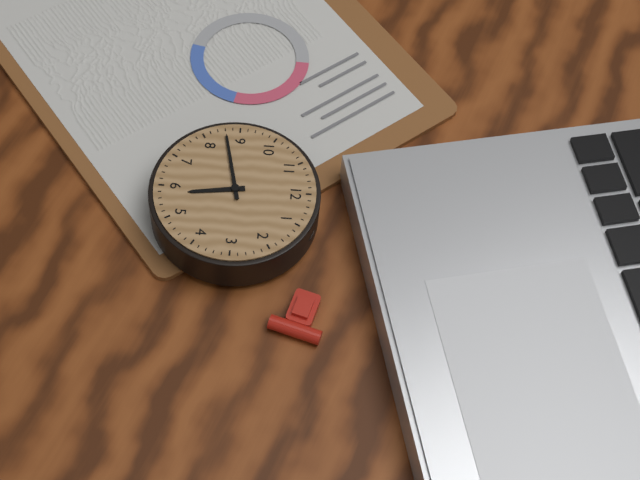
5:43
